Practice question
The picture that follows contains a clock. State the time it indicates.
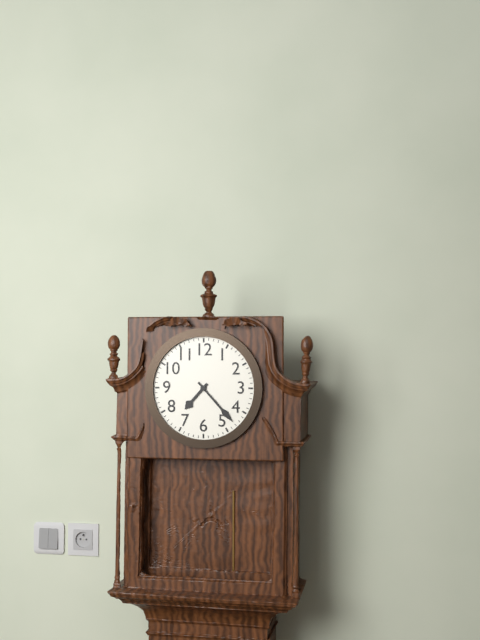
7:23
